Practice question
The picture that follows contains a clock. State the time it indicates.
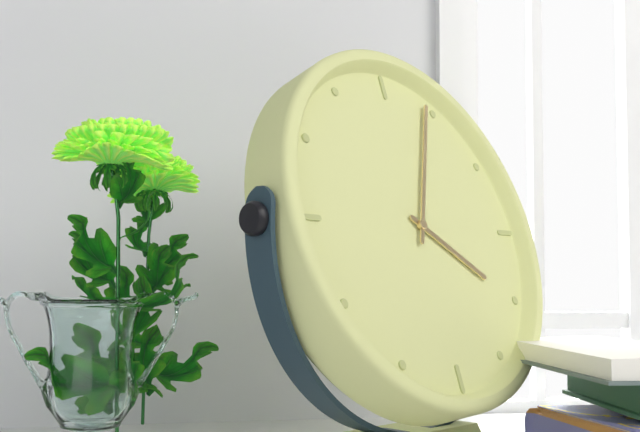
4:04
